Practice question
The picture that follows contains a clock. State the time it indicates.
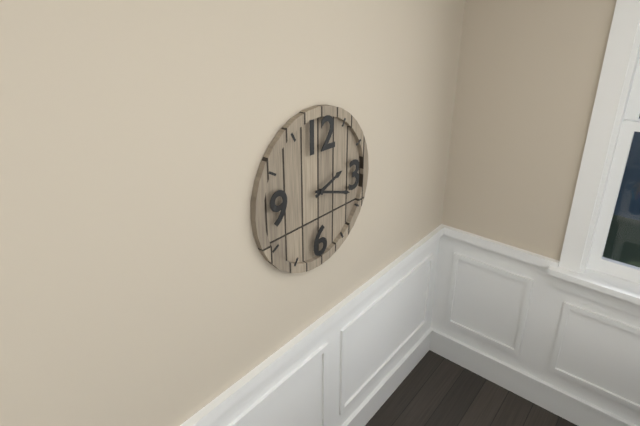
2:18
